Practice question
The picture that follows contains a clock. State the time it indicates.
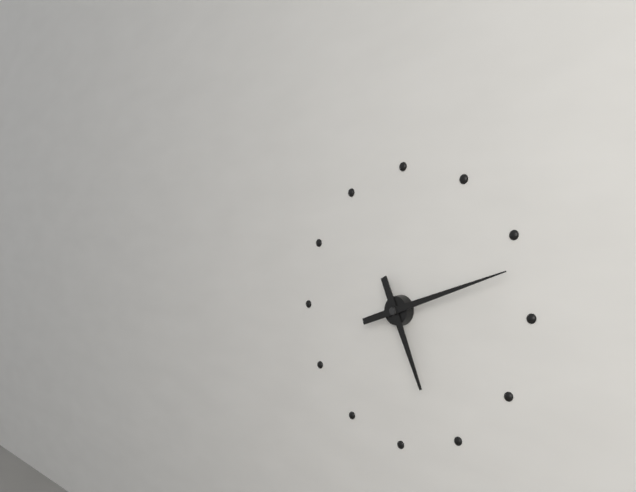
5:12
